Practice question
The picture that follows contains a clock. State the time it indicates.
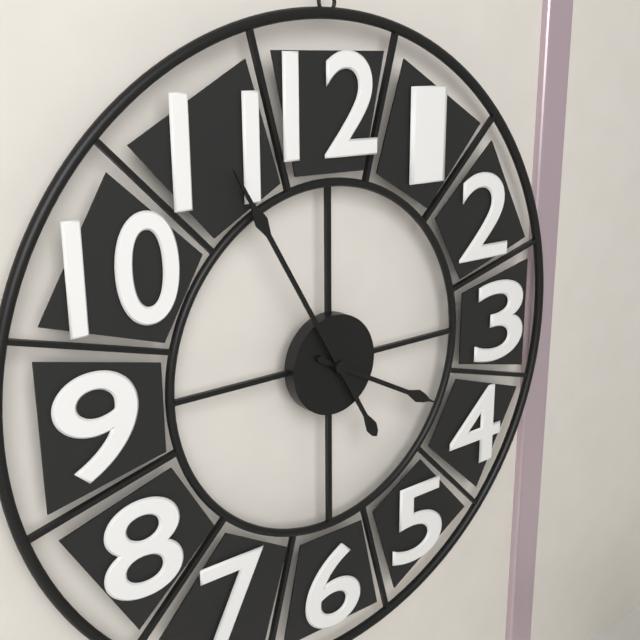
3:55
